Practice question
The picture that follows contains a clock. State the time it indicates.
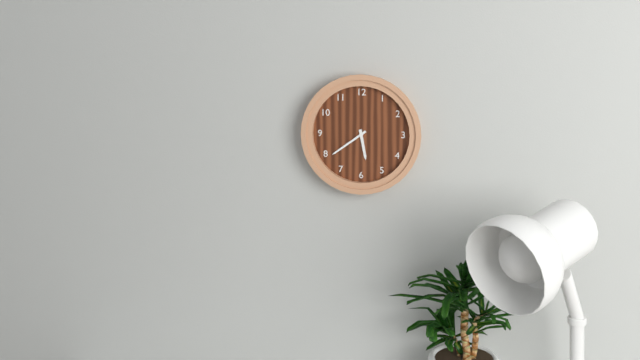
5:39
